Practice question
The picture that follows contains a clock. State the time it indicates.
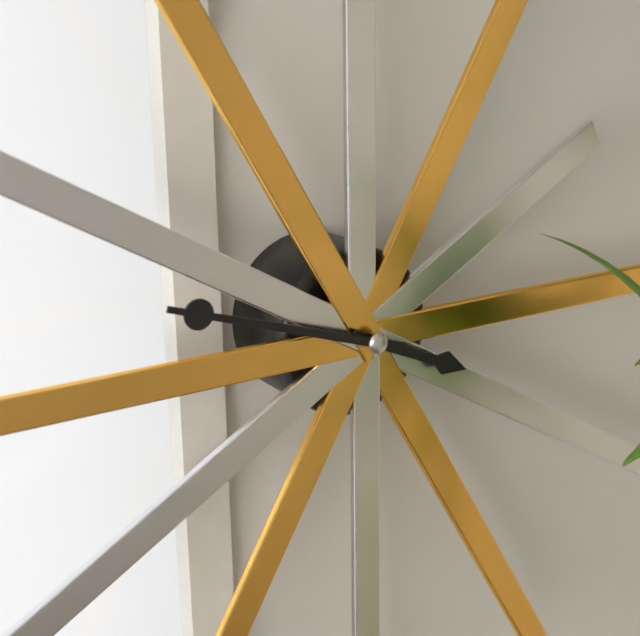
3:48
